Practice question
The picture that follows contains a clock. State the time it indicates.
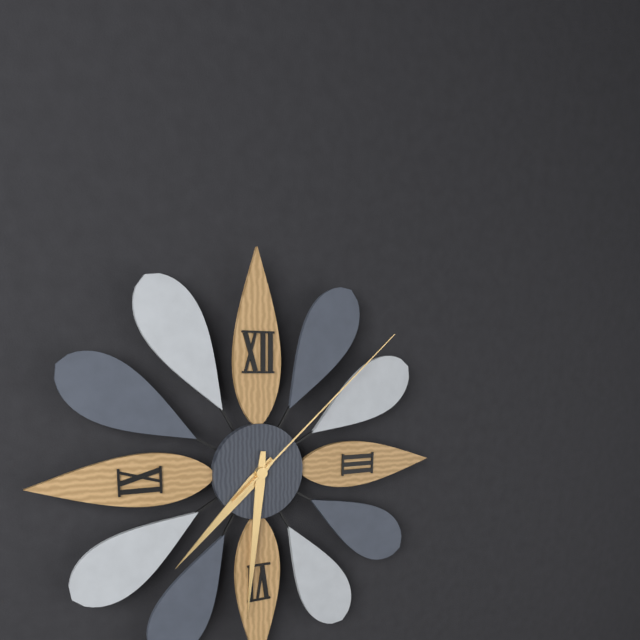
7:31:08
